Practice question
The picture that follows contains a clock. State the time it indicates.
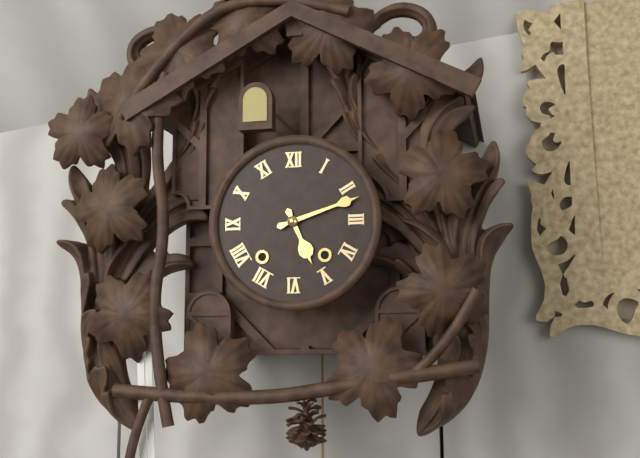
5:12
